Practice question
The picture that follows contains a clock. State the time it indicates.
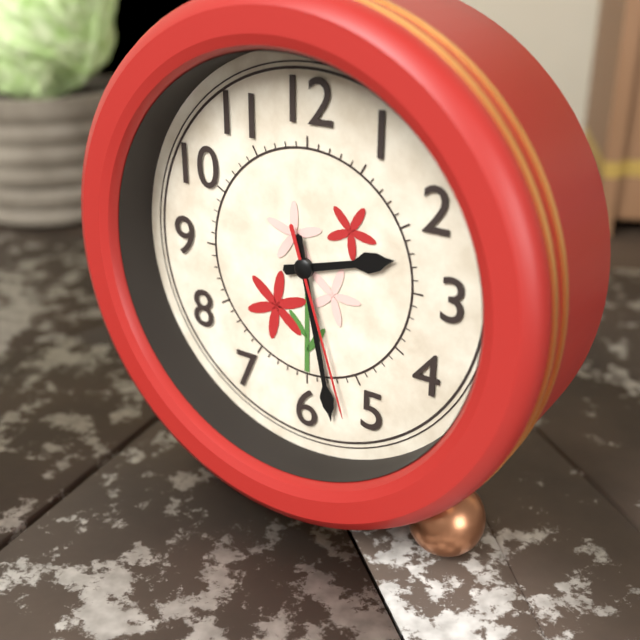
2:28:27
